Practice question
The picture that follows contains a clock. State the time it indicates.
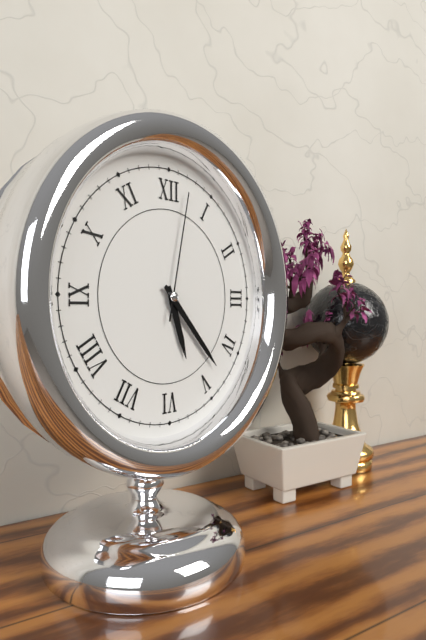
5:23:02
